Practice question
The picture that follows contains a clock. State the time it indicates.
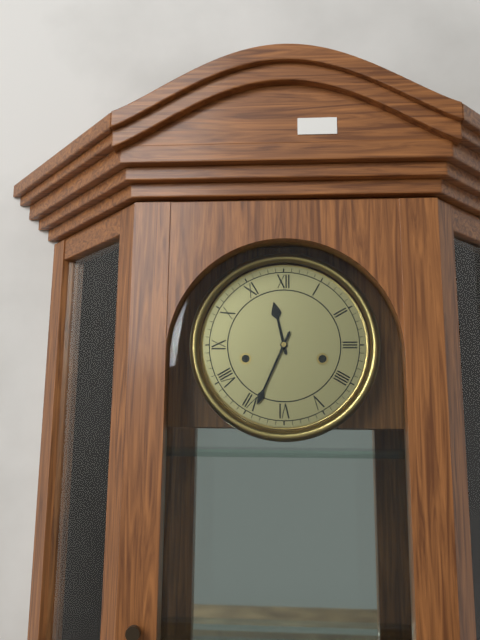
11:34
